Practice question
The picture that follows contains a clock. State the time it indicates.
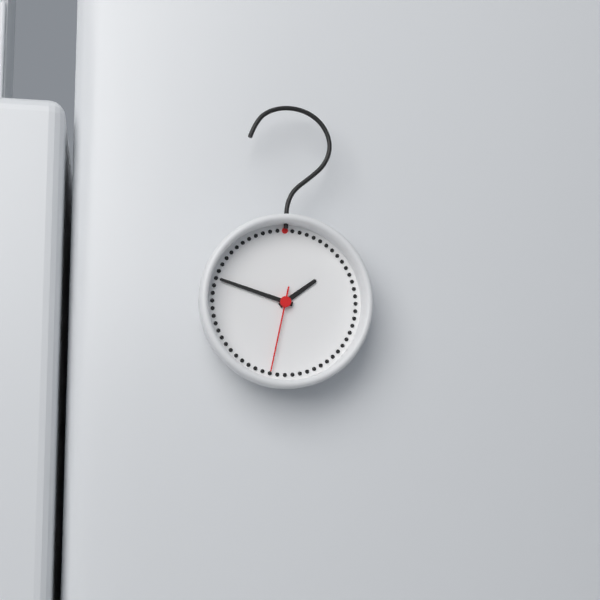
1:48:32
